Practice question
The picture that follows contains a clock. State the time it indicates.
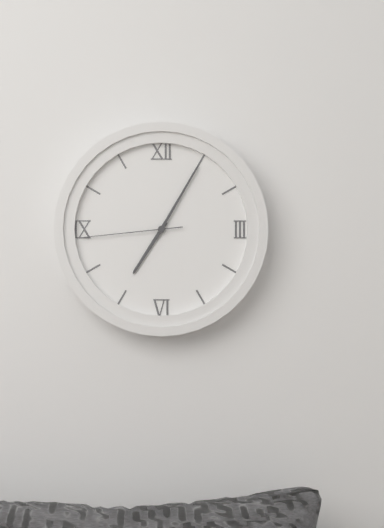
7:05:44
